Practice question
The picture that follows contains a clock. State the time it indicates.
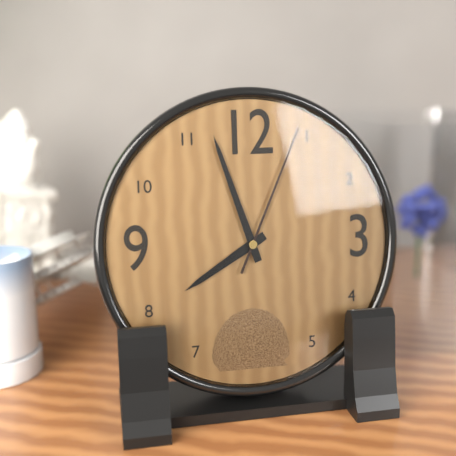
7:57:04
